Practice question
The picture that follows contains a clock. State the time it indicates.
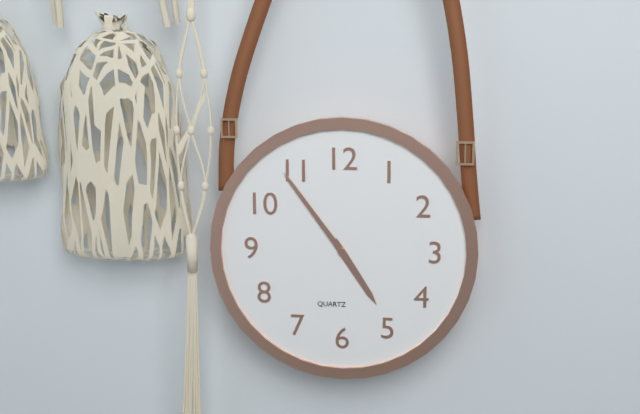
4:54
